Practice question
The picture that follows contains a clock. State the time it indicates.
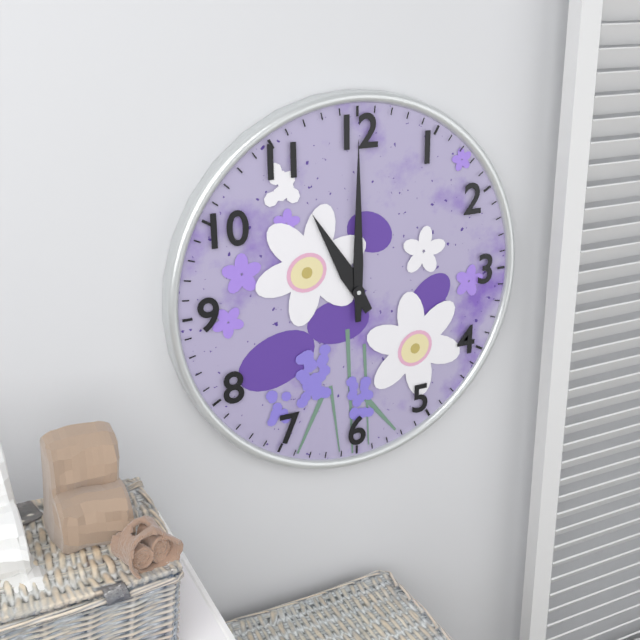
11:00
